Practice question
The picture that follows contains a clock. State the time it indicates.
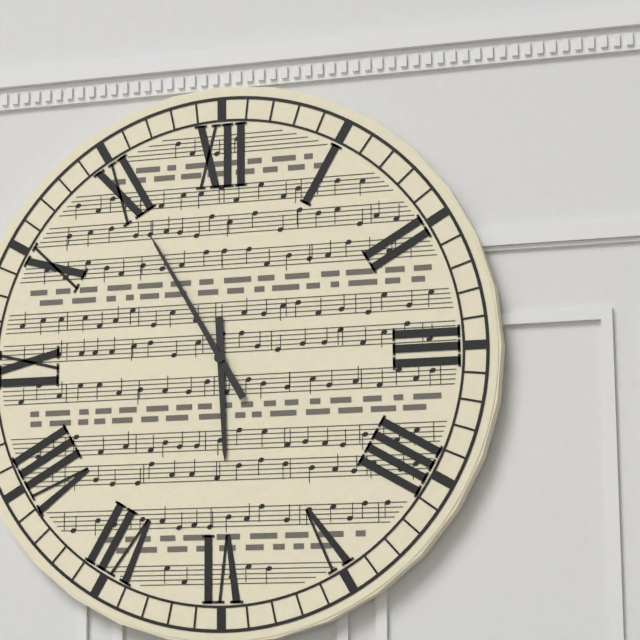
5:55
